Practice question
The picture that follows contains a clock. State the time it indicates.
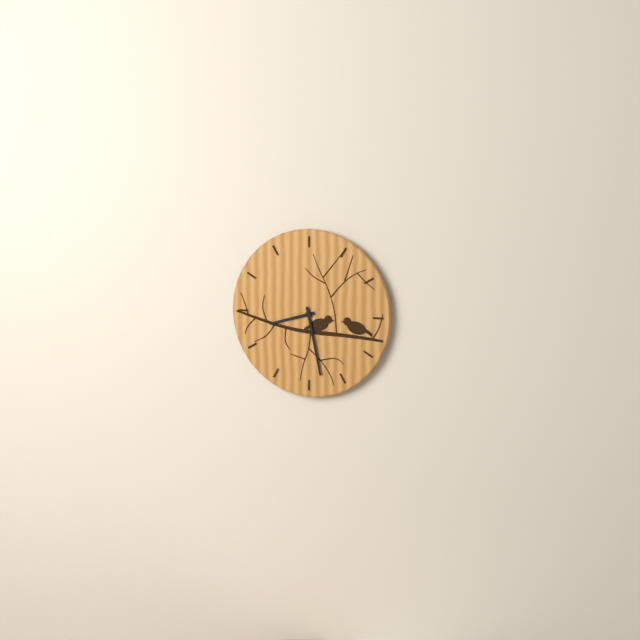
8:28
